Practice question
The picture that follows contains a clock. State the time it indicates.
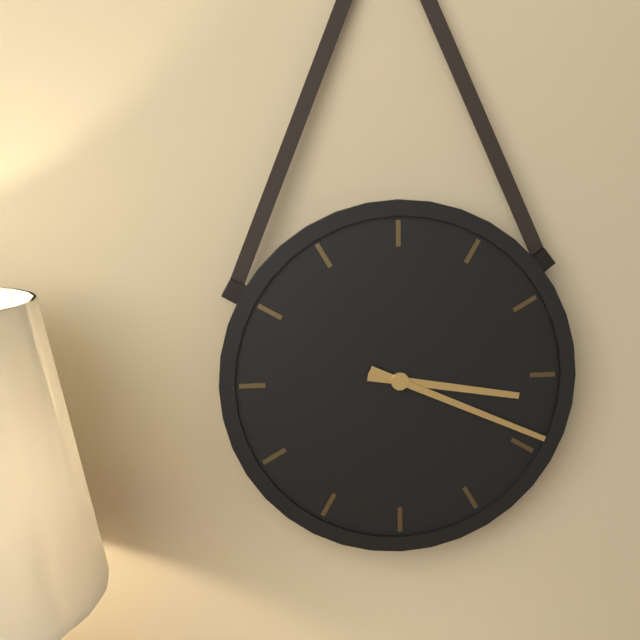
3:19
